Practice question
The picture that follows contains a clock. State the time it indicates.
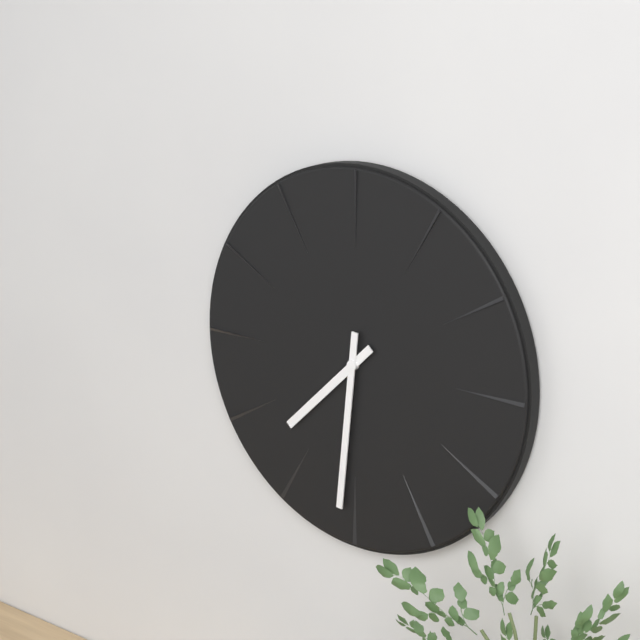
7:31
